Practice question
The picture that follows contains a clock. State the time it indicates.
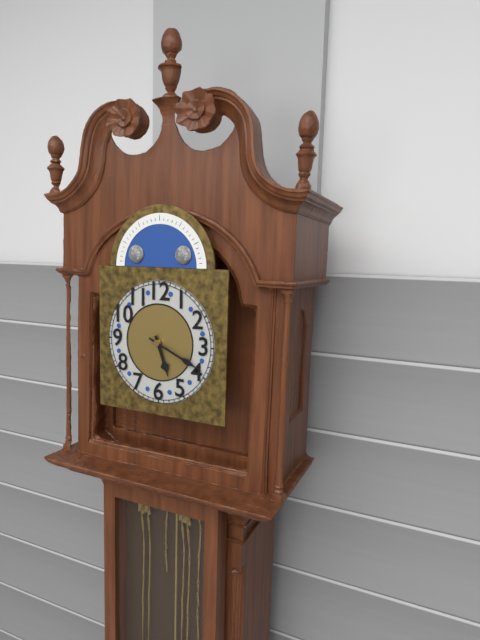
5:19
